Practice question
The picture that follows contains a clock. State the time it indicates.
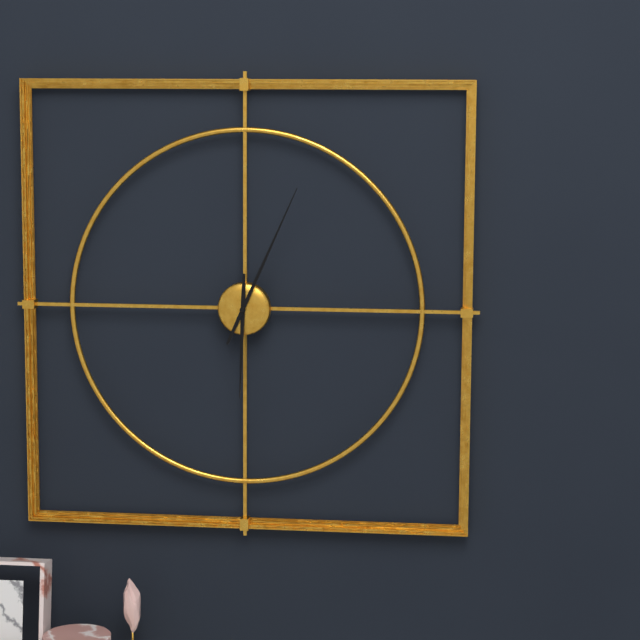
6:04
